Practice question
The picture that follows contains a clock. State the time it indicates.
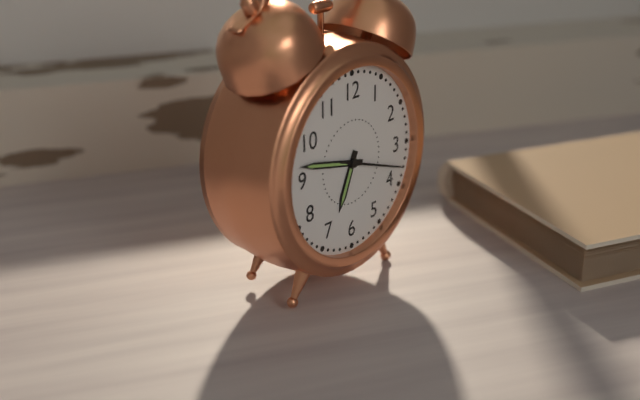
6:47:18
